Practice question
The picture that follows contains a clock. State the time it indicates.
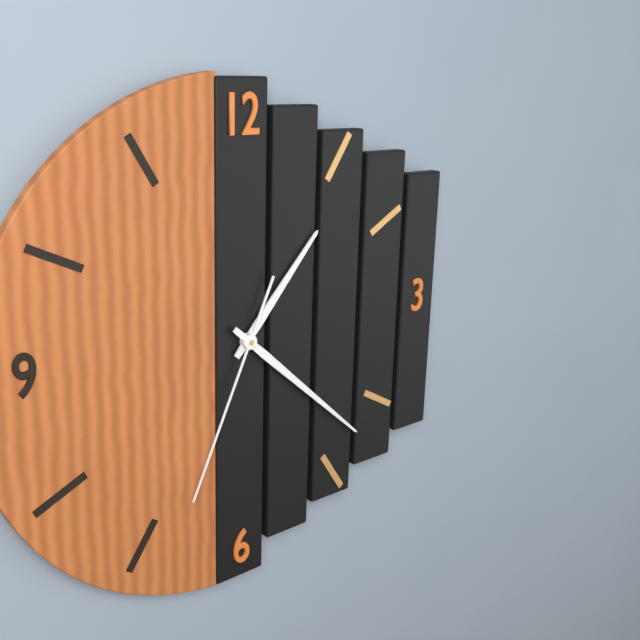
1:22:34
